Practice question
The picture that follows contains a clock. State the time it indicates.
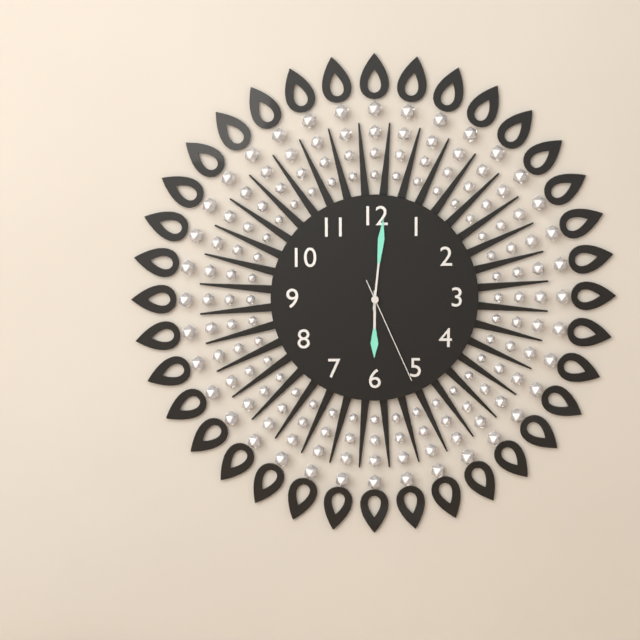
6:01:26
